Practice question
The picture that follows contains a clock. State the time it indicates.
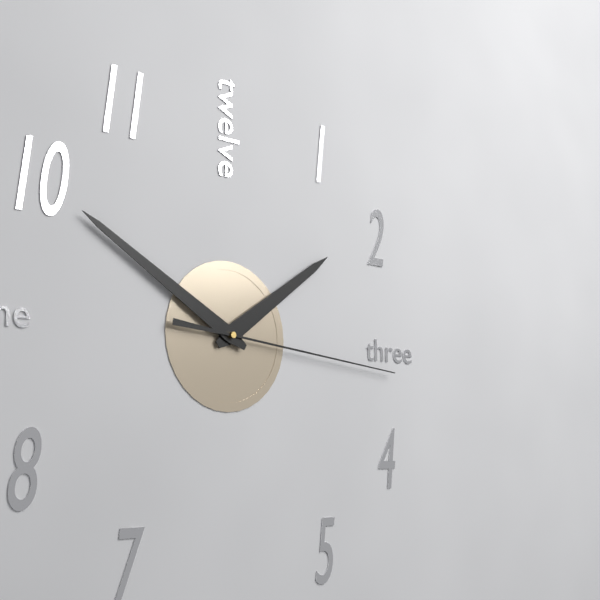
1:50:16
